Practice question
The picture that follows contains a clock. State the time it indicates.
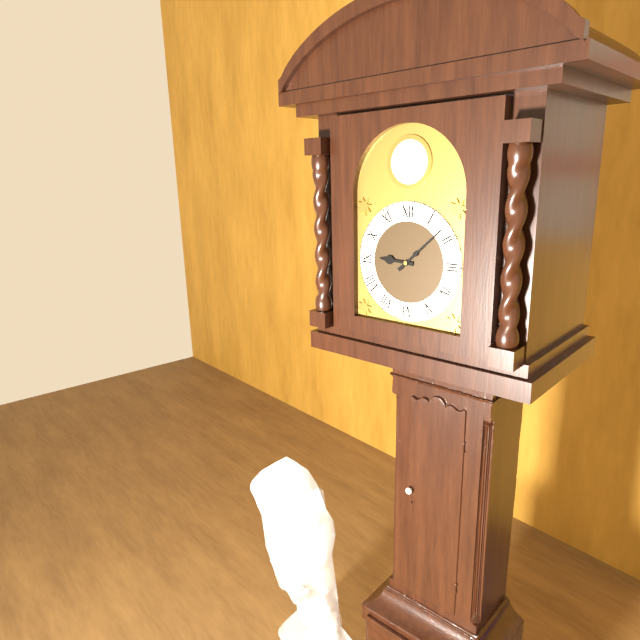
9:08
